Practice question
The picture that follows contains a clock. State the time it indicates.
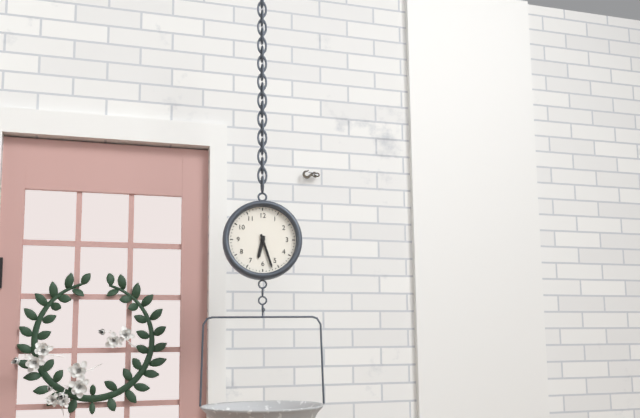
6:27
